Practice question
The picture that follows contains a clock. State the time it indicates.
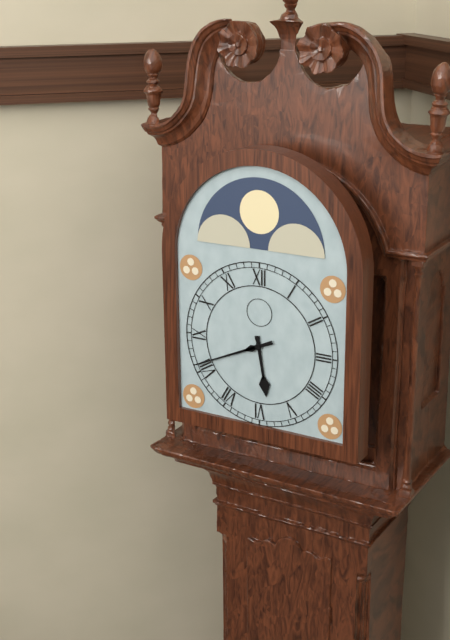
5:41
